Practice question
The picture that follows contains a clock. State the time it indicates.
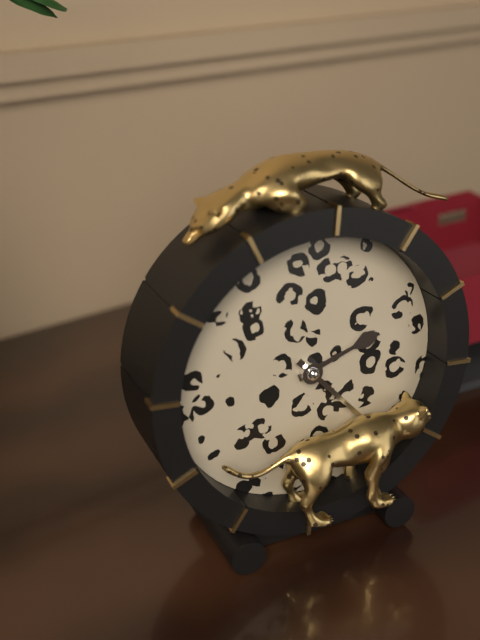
2:23
